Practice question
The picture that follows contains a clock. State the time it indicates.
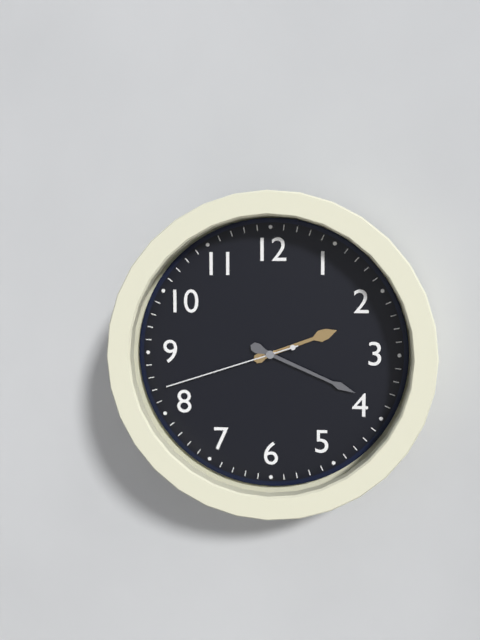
2:19:42
